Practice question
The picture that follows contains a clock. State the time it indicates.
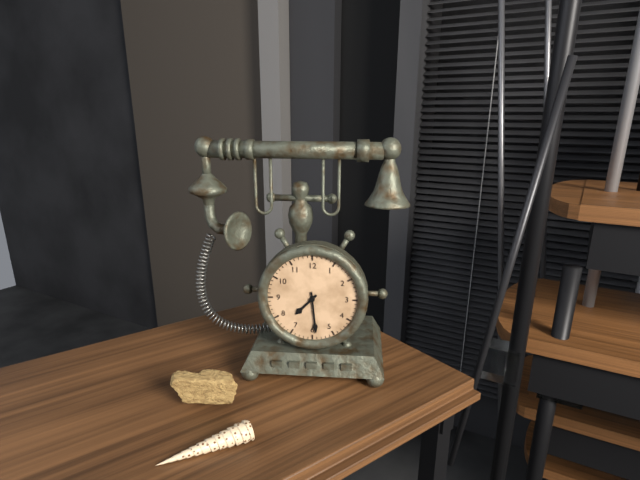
7:29
